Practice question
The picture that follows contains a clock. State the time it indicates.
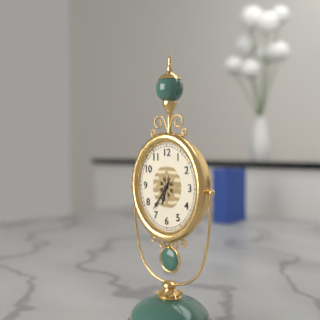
6:36
